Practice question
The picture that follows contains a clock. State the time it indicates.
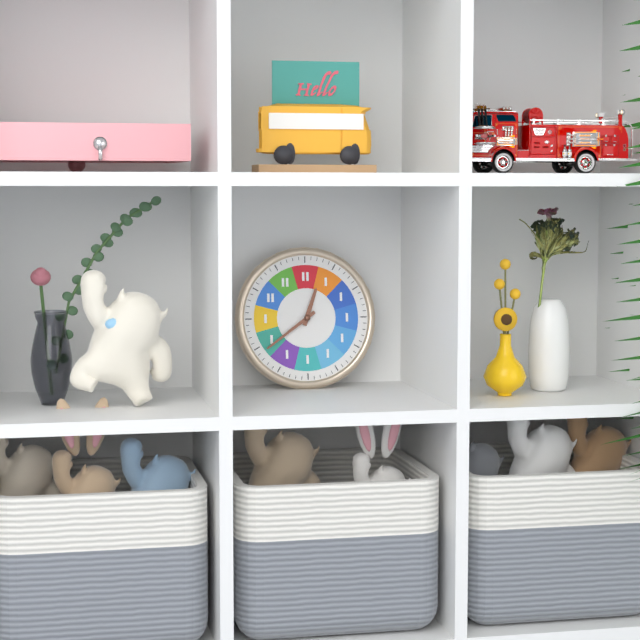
12:39
